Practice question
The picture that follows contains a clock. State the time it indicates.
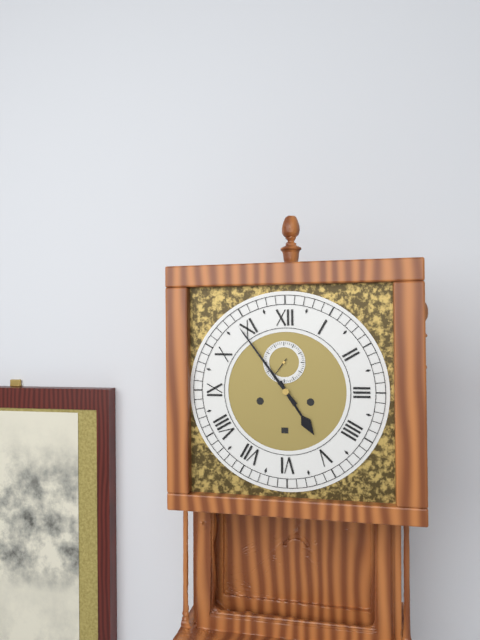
4:54
